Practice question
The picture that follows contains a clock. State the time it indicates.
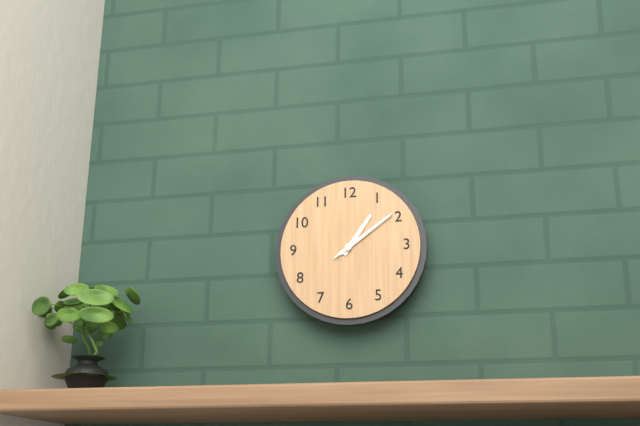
1:09:09
